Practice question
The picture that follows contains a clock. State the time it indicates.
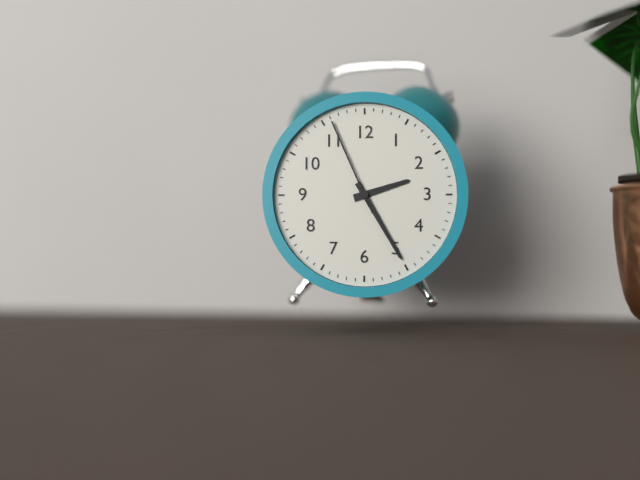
2:25:56
